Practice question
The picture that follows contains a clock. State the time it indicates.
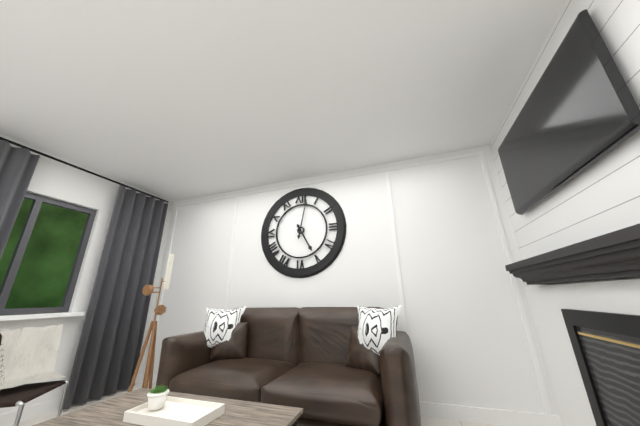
5:02
